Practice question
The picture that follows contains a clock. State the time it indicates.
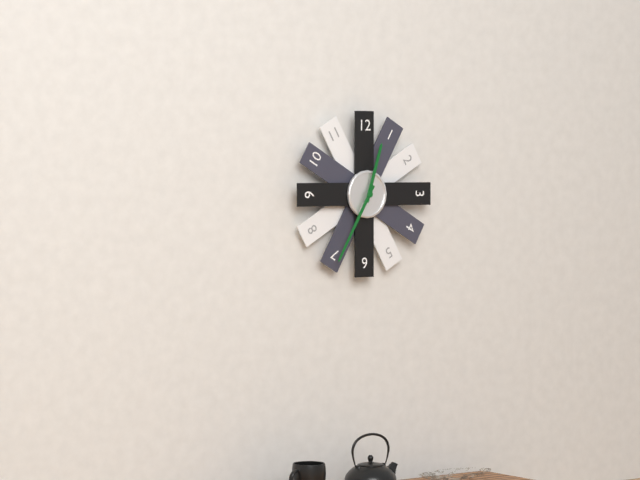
12:35
